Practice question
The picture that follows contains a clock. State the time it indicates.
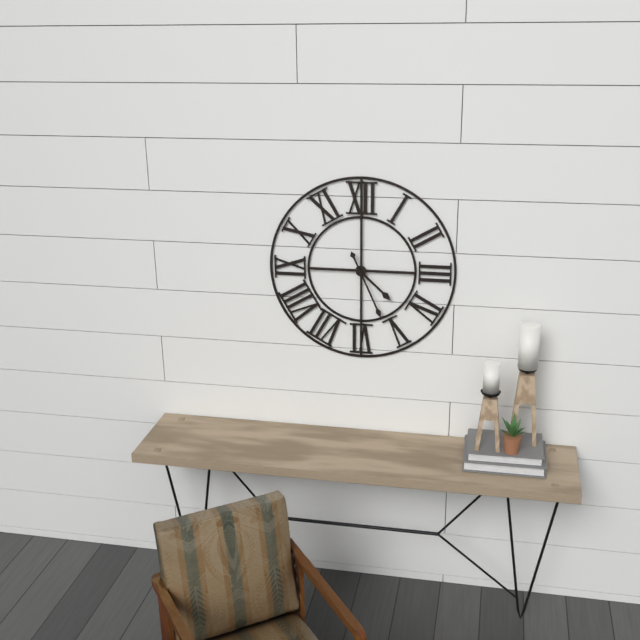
4:26
